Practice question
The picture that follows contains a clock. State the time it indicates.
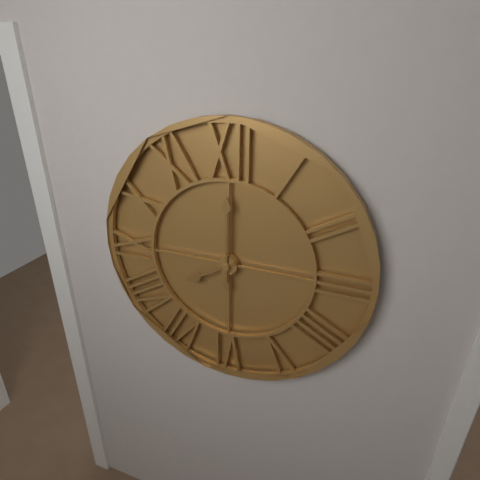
8:00
